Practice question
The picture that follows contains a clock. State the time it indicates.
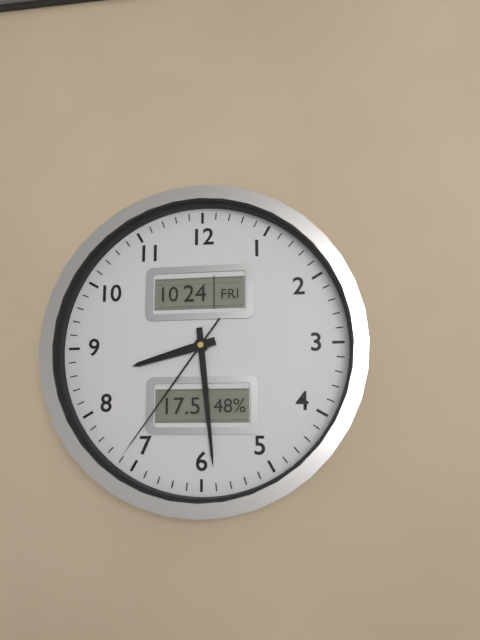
8:29:36
